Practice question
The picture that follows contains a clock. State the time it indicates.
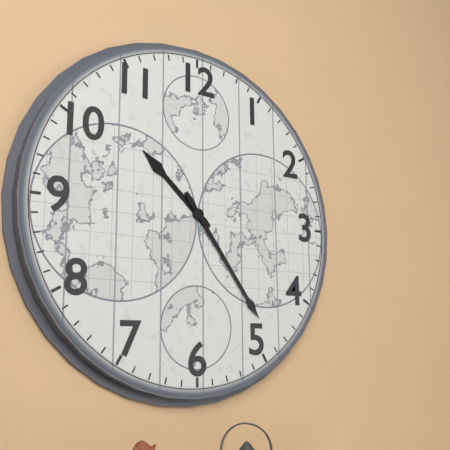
10:24
